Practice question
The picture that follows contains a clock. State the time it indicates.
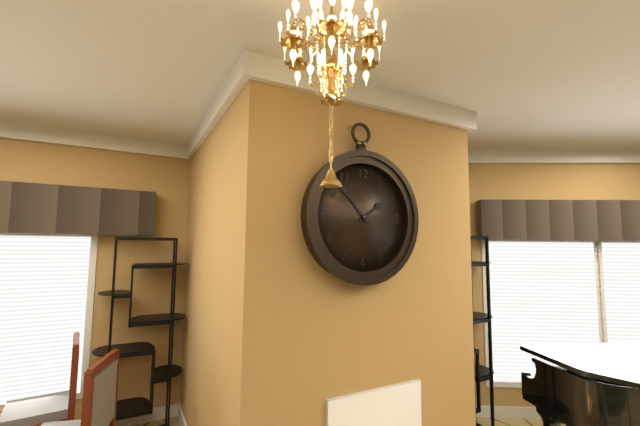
1:53
